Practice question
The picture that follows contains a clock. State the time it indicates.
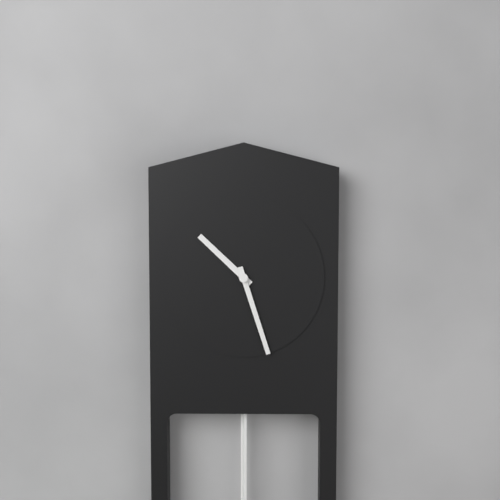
10:27
